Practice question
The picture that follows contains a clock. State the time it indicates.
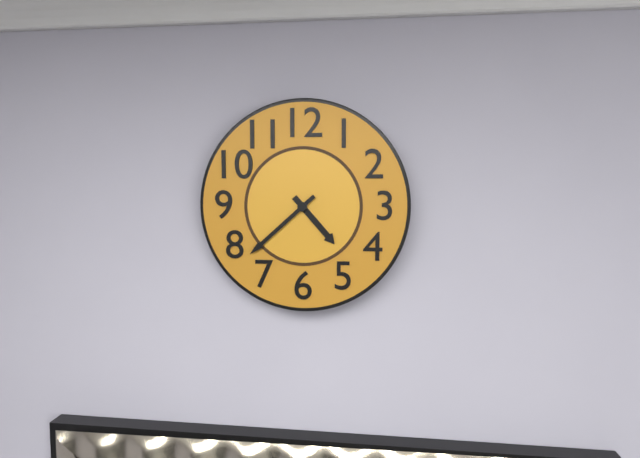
4:38
